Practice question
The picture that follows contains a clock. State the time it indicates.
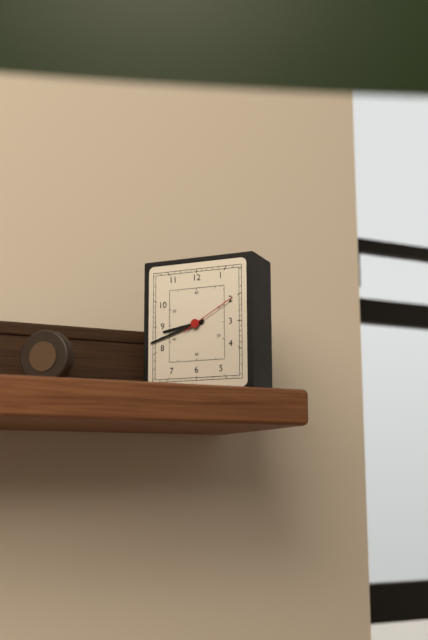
8:42:10
